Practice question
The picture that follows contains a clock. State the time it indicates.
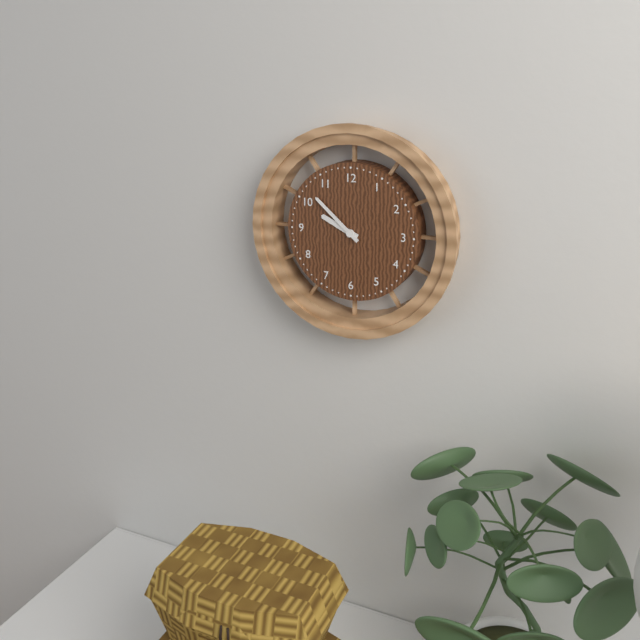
9:52
